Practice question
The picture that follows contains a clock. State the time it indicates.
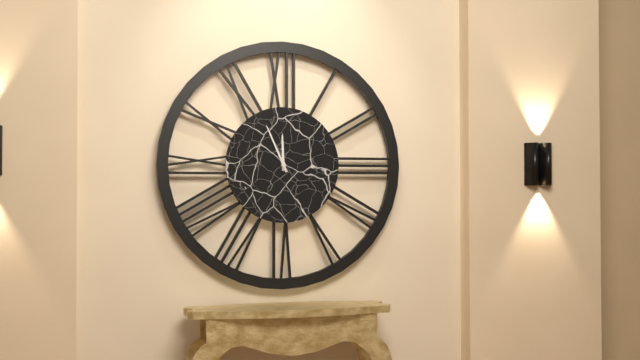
11:56
